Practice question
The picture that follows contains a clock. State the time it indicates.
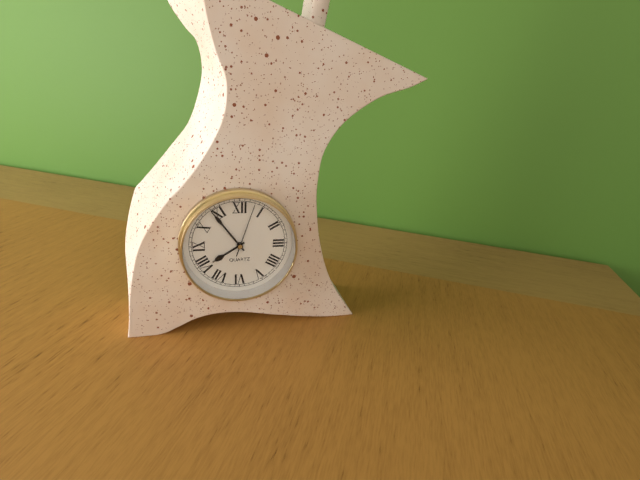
7:54:03
